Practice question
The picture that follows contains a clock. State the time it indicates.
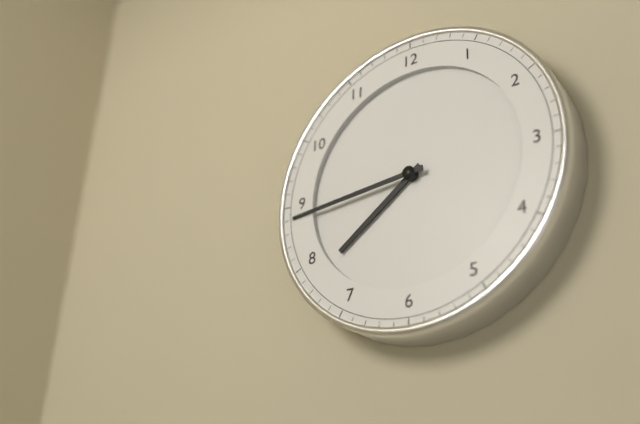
7:44
